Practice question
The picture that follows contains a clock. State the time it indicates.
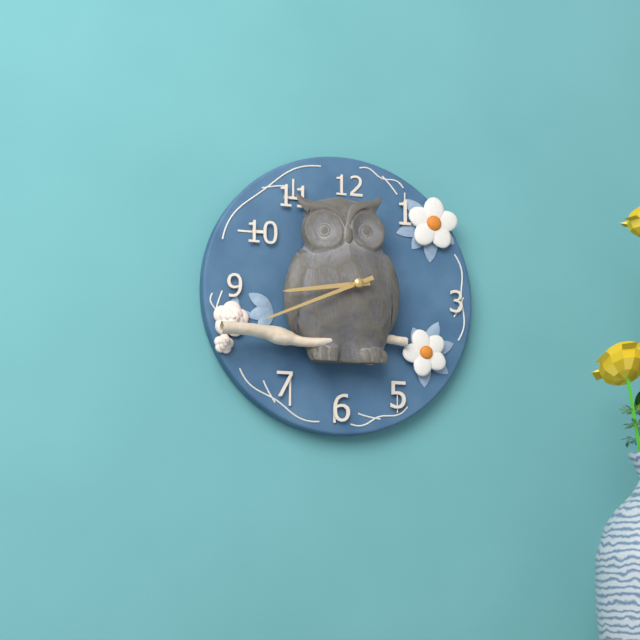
8:41
